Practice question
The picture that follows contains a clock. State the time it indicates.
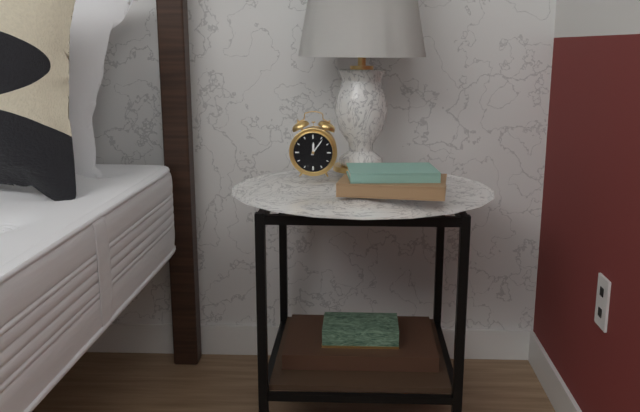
12:06
